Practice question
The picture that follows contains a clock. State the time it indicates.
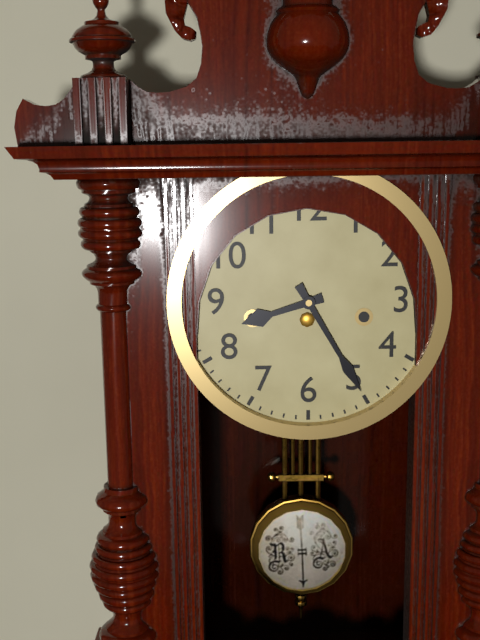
8:25
